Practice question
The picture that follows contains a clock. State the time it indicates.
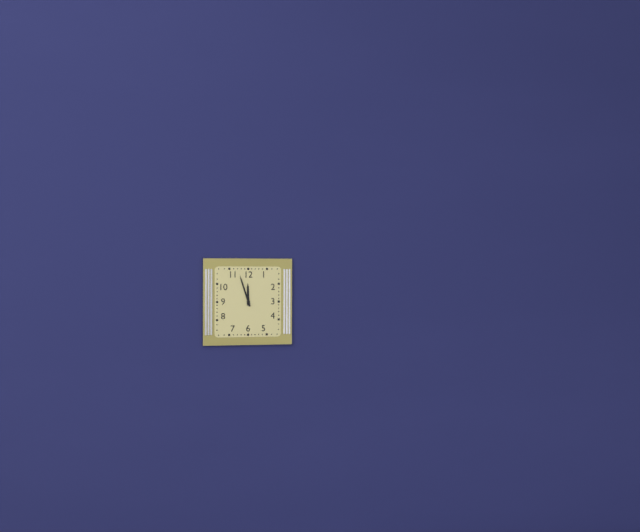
11:57
